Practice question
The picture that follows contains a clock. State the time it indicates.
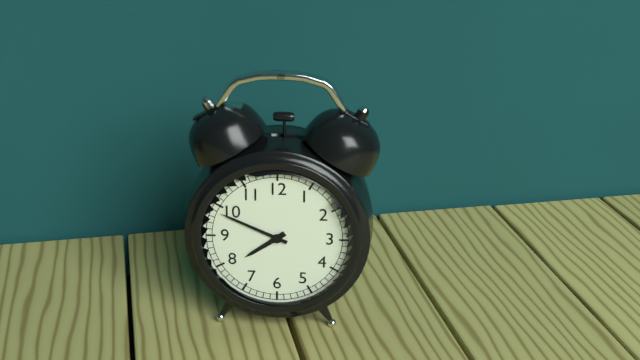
7:49
